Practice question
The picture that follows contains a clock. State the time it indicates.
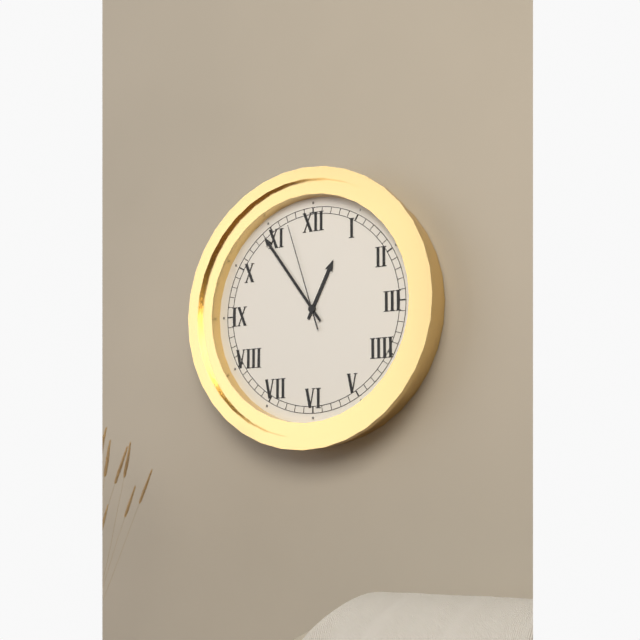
12:54:57
